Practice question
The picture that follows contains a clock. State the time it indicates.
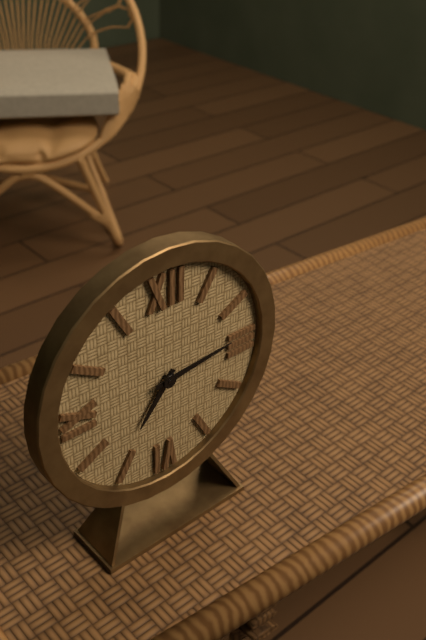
7:14
